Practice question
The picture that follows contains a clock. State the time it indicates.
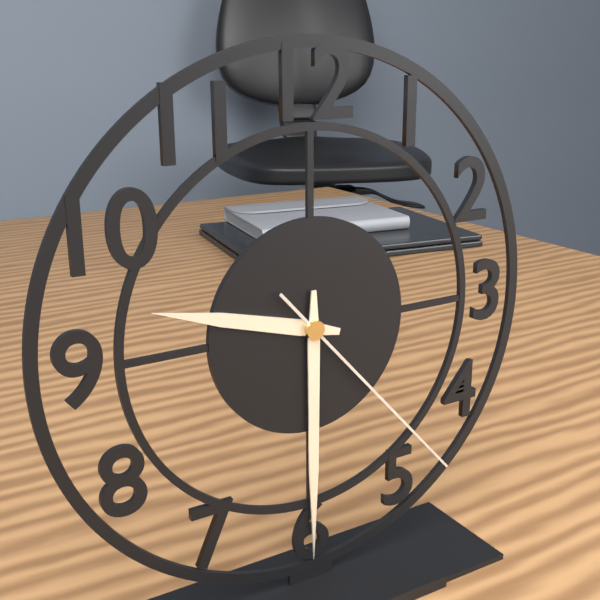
9:30:23
